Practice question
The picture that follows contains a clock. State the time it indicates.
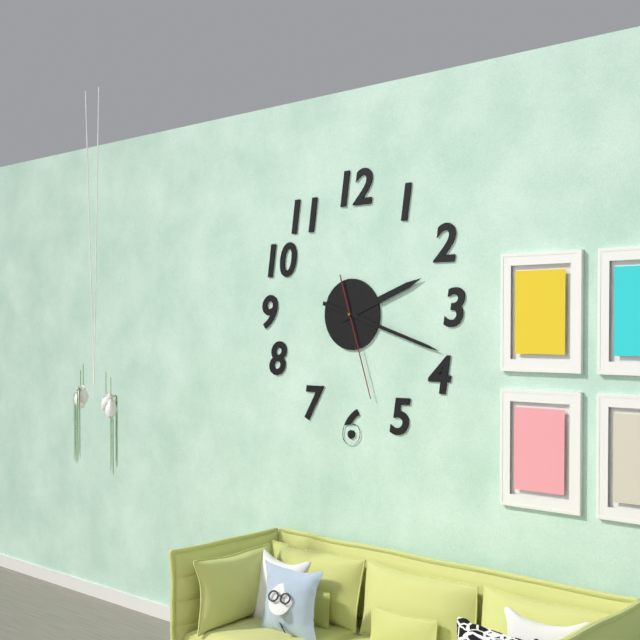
2:18:27
